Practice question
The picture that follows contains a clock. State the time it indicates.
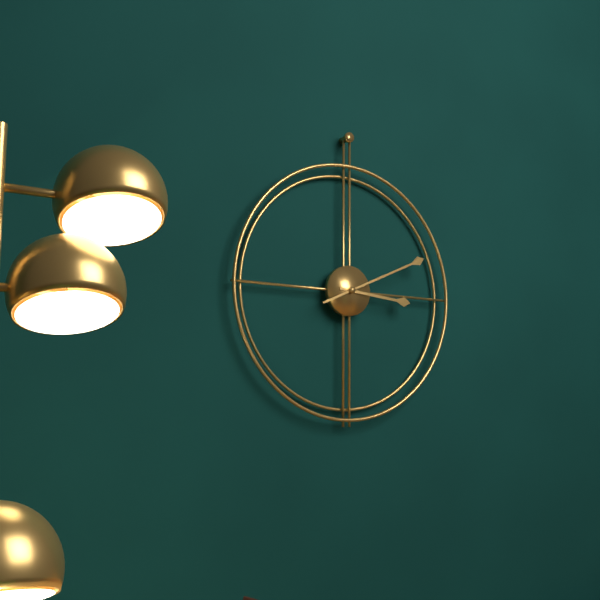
3:11
